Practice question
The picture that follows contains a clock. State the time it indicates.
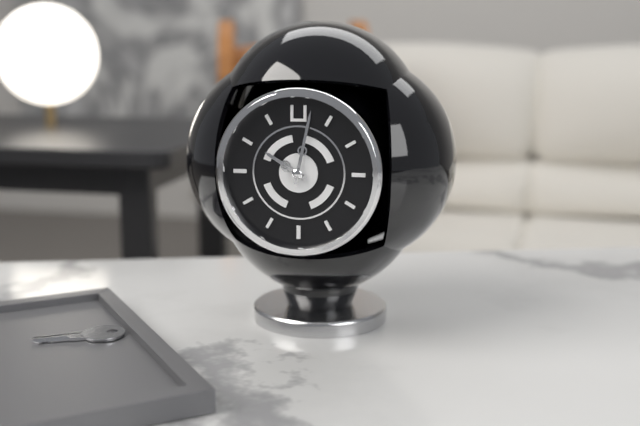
10:02
